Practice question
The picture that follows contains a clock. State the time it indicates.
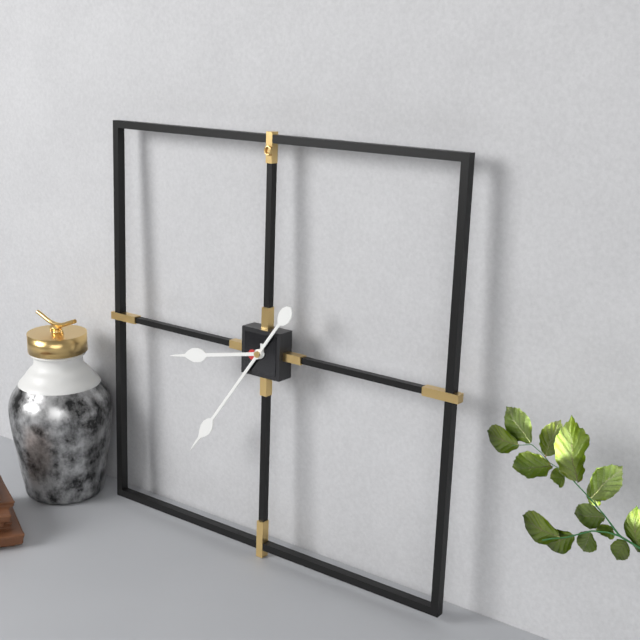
8:36
